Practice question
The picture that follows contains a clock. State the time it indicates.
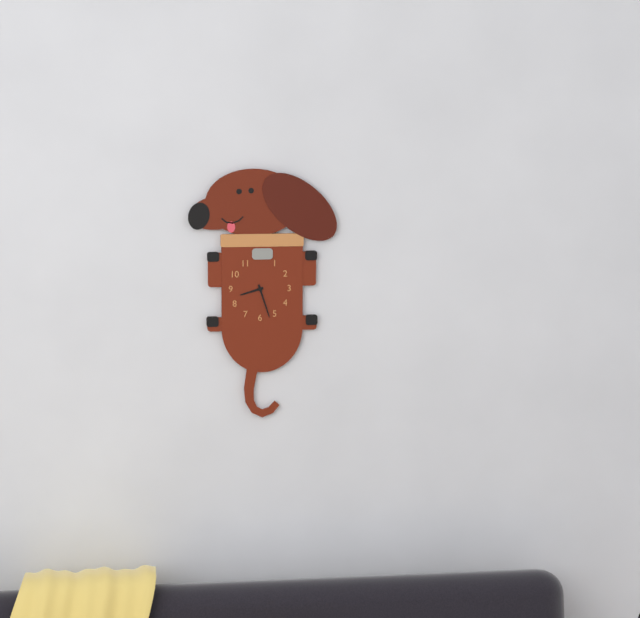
8:27
